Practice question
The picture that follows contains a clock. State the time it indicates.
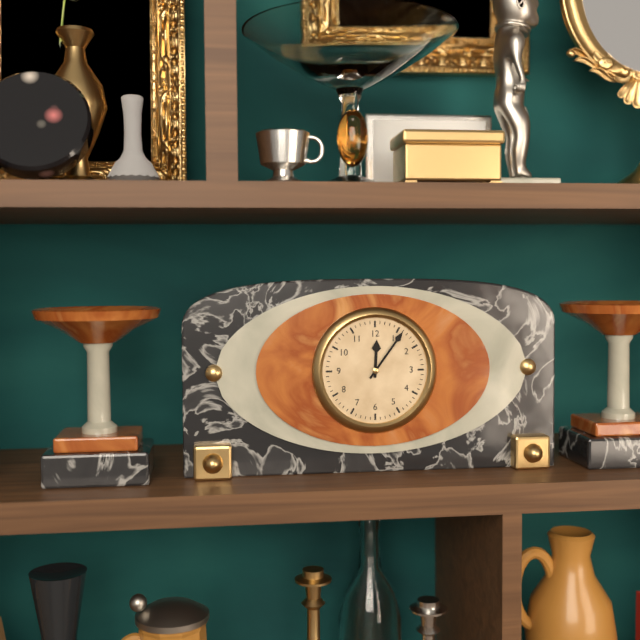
12:06
